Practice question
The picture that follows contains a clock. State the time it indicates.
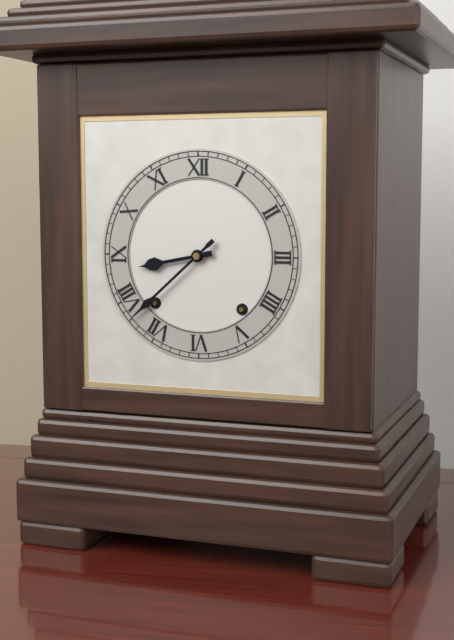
8:38
